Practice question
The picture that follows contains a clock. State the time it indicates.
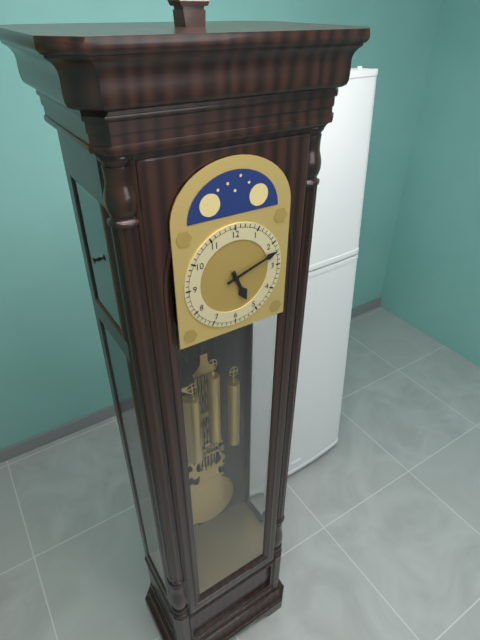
5:12
